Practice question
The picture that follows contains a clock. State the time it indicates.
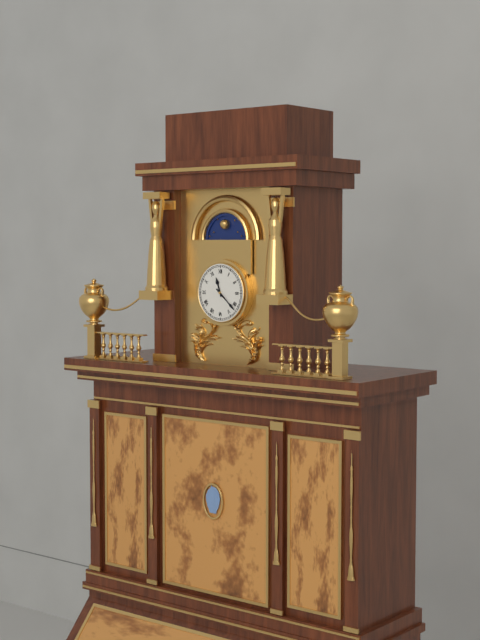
11:22
